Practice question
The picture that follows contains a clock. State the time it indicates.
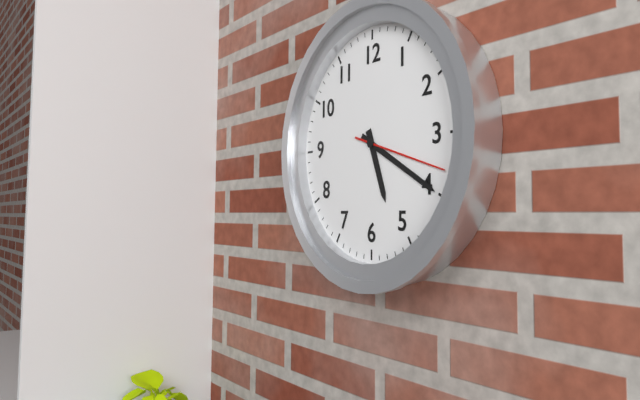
5:20:18
